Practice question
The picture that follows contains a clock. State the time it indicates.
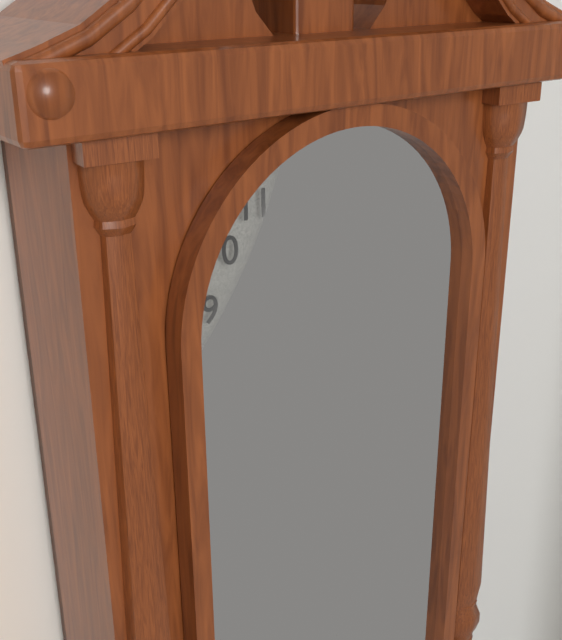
12:07
